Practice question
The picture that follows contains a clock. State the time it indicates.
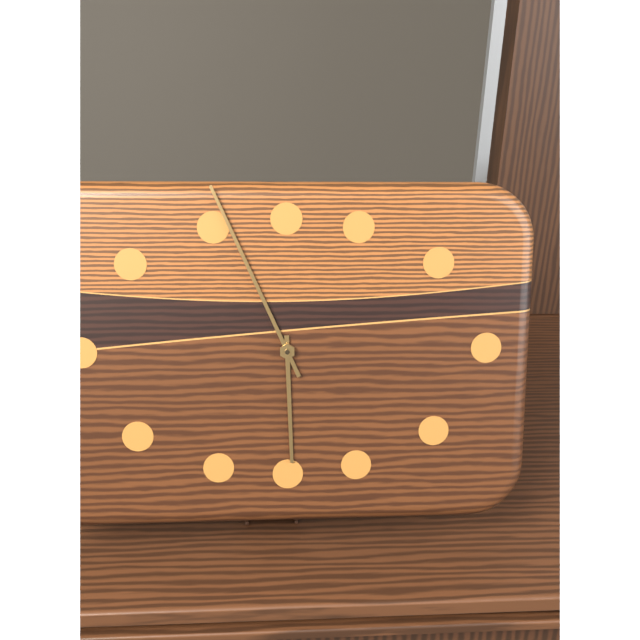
5:56
